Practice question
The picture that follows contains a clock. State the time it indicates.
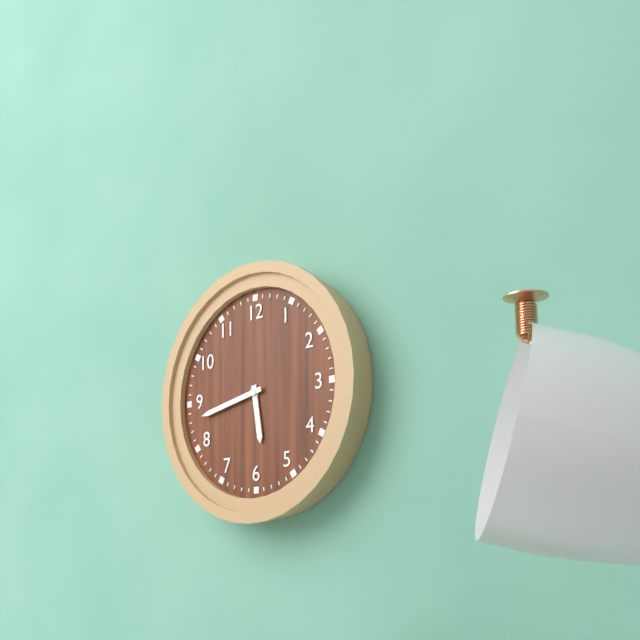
5:43
